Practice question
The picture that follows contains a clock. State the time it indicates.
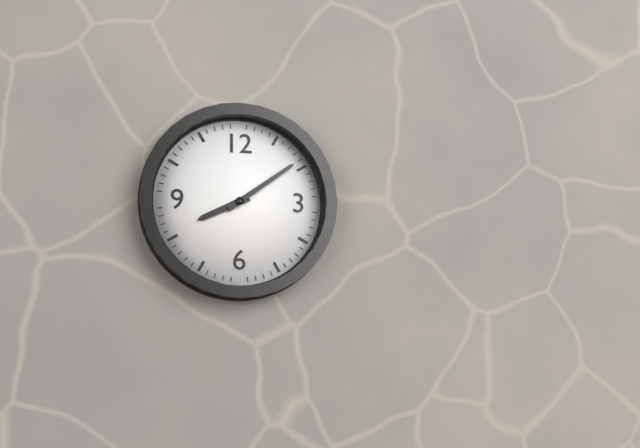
8:09
